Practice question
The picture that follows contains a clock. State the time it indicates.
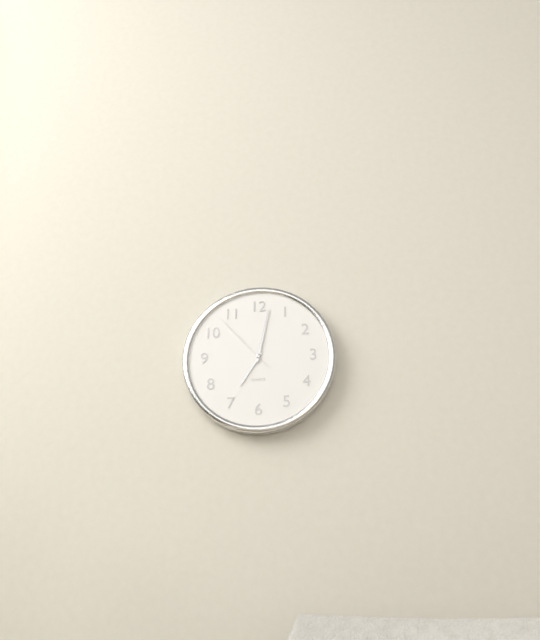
7:02:53
